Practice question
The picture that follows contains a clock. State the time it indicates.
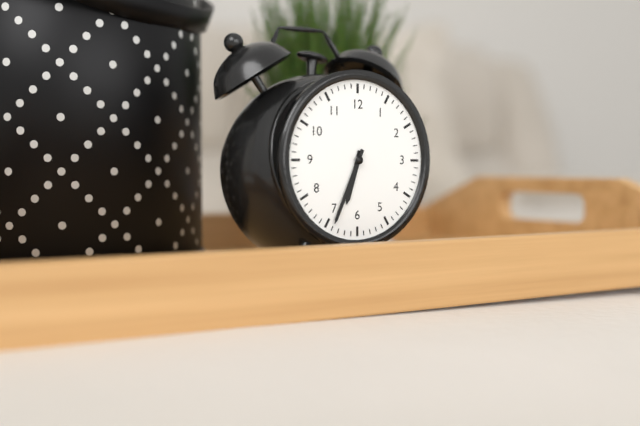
6:34
